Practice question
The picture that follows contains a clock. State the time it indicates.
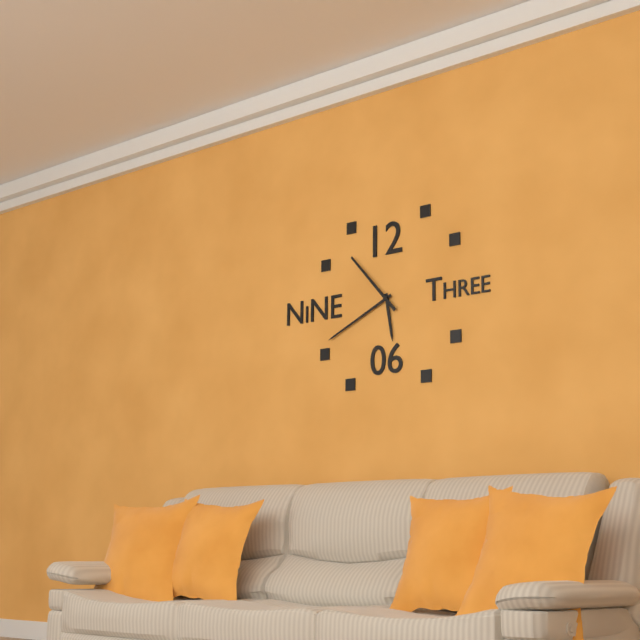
5:41:53
